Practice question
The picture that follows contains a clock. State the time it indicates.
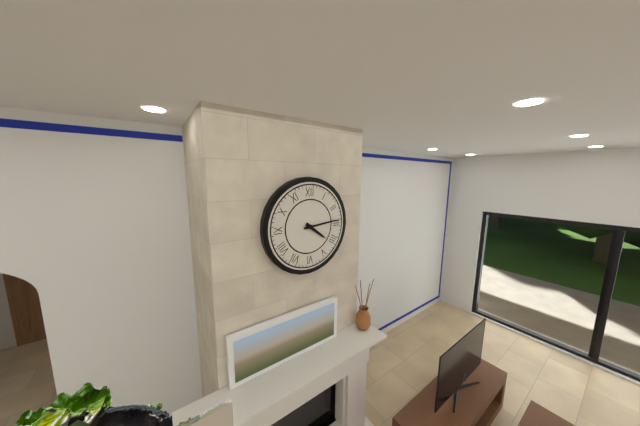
4:14
